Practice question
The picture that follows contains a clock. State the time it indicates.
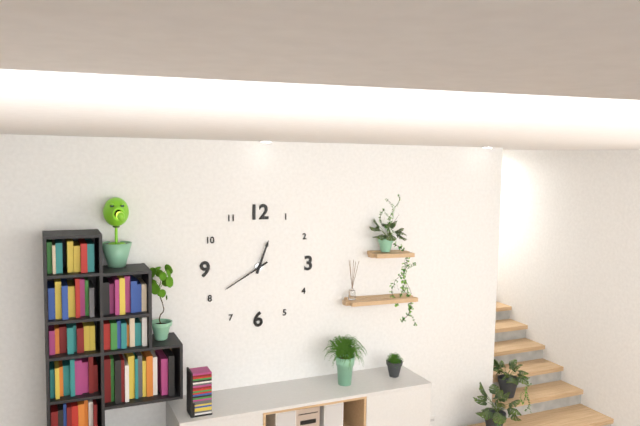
12:40
